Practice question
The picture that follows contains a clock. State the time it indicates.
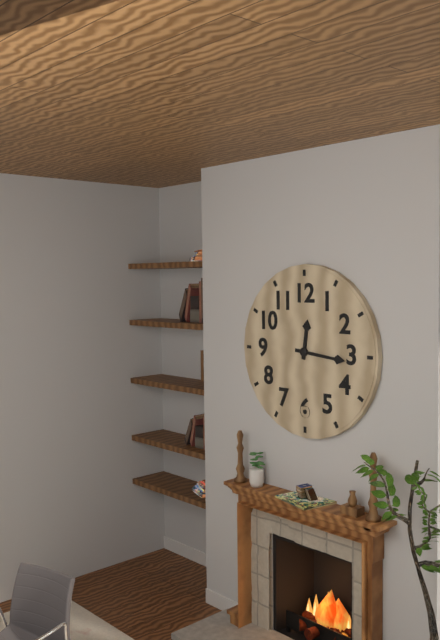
12:16
